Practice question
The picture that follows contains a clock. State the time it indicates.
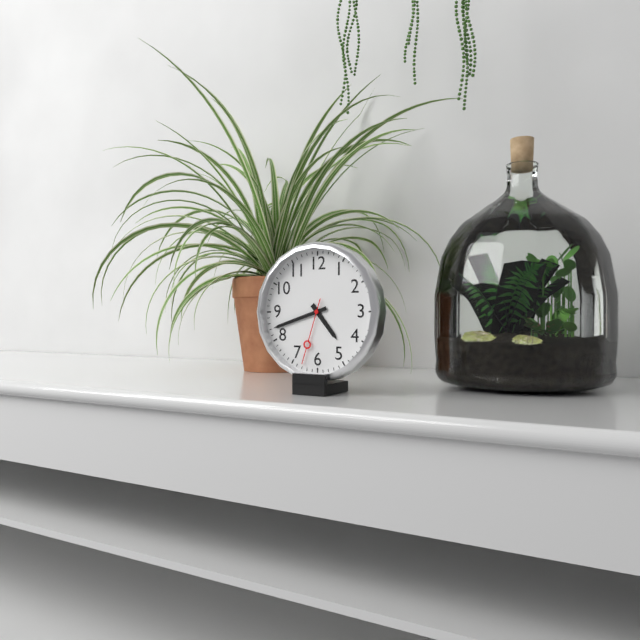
4:42:33
